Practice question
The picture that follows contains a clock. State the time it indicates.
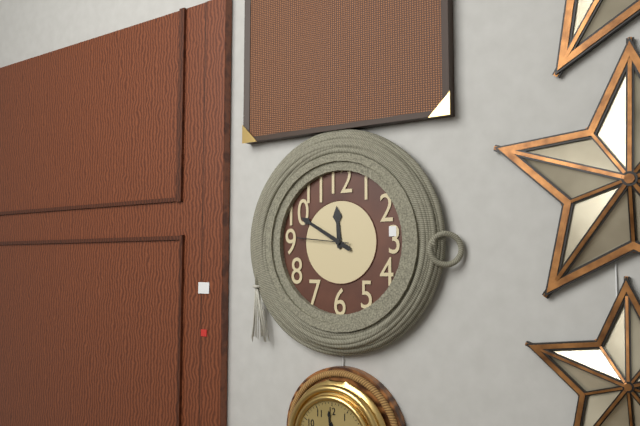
11:50:46
